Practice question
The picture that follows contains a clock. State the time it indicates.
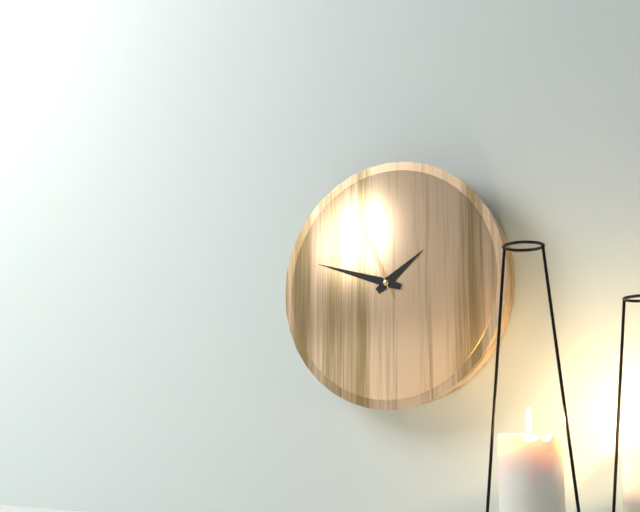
1:48:56
